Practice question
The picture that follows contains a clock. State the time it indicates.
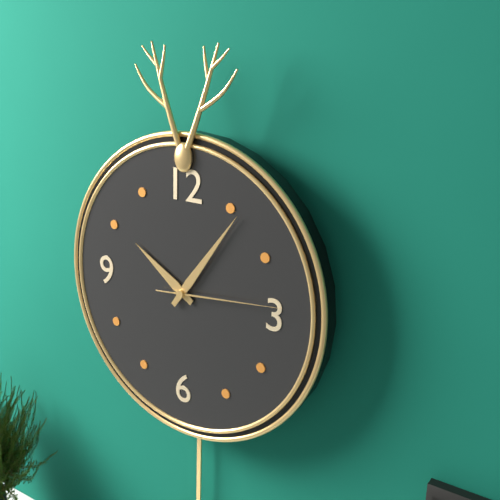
10:06:14
